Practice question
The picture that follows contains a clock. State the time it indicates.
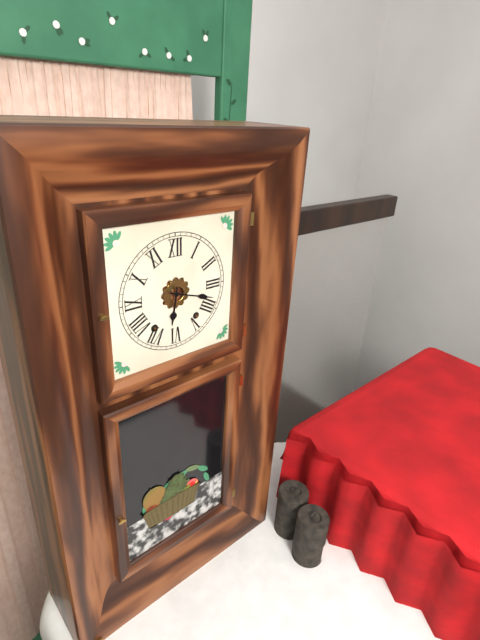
6:18
